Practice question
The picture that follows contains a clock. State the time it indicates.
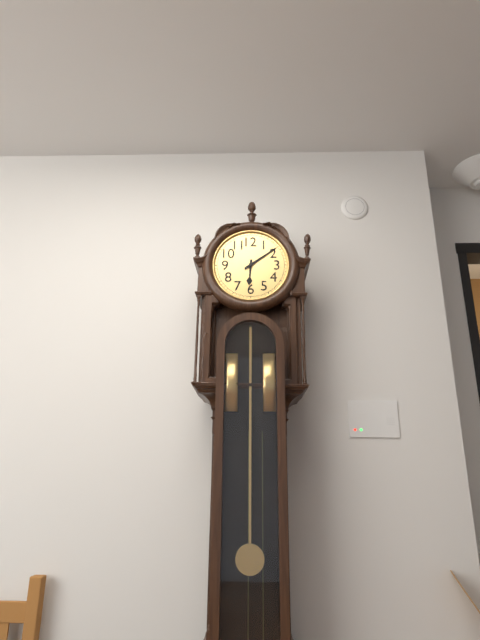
6:09
